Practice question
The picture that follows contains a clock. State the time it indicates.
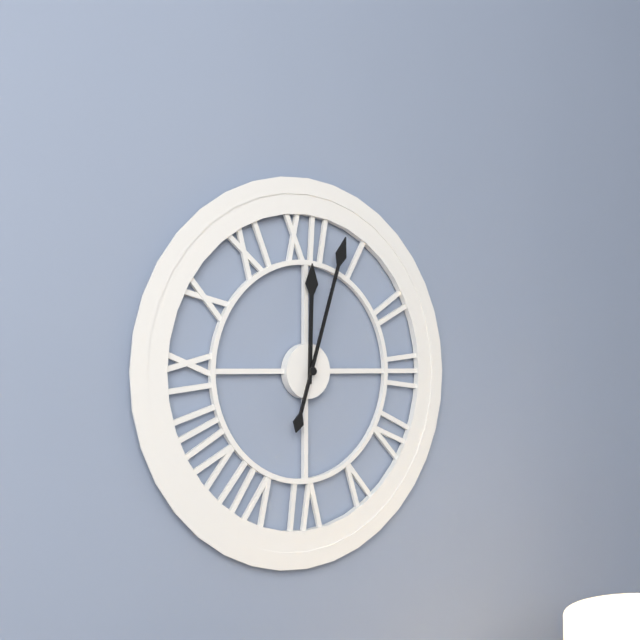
12:03
